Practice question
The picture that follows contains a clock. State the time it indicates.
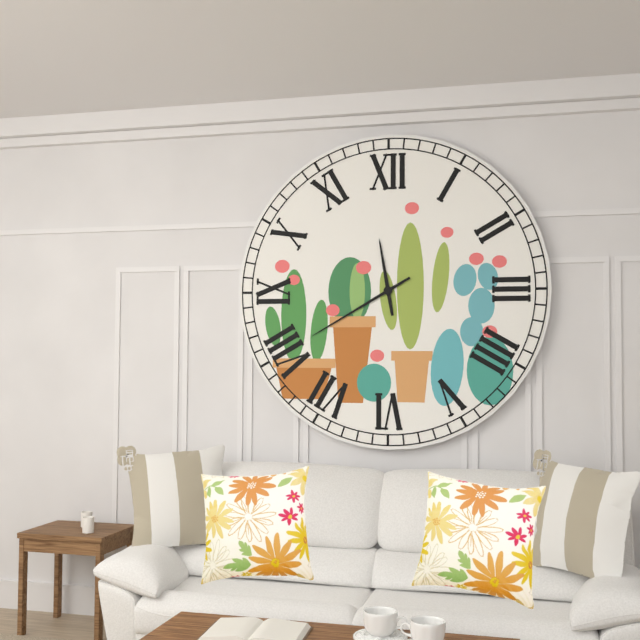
11:40
